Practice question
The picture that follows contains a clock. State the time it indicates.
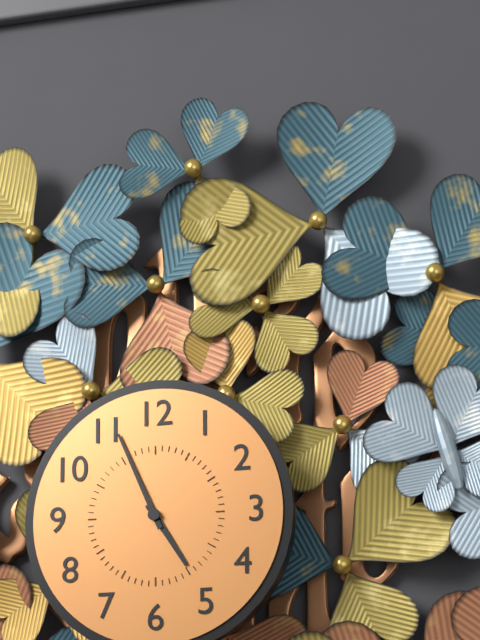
4:56
